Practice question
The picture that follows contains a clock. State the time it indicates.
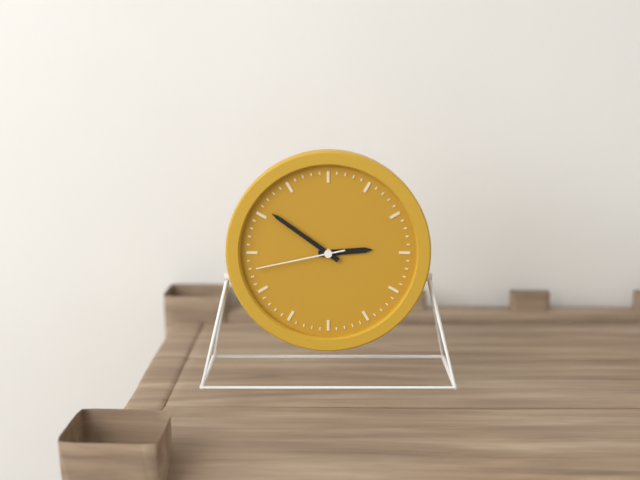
2:51:43
